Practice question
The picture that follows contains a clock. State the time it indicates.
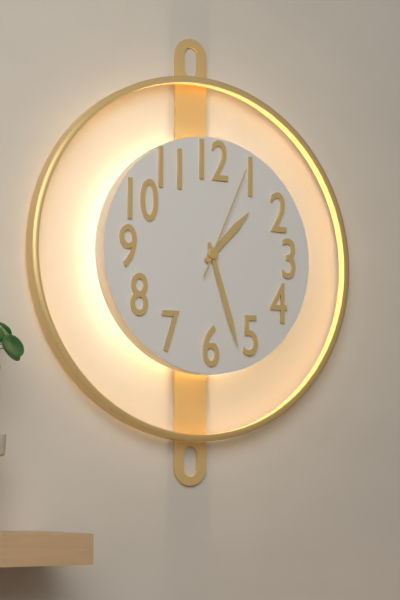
1:27:04
